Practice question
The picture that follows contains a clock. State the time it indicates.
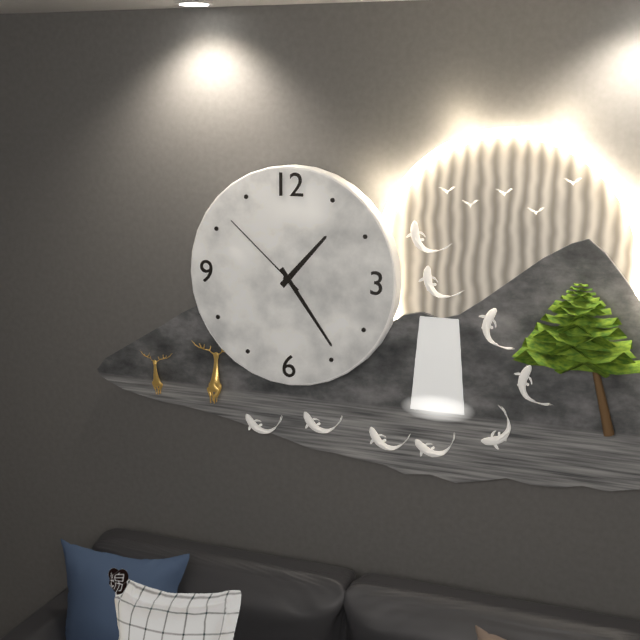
1:24:52
